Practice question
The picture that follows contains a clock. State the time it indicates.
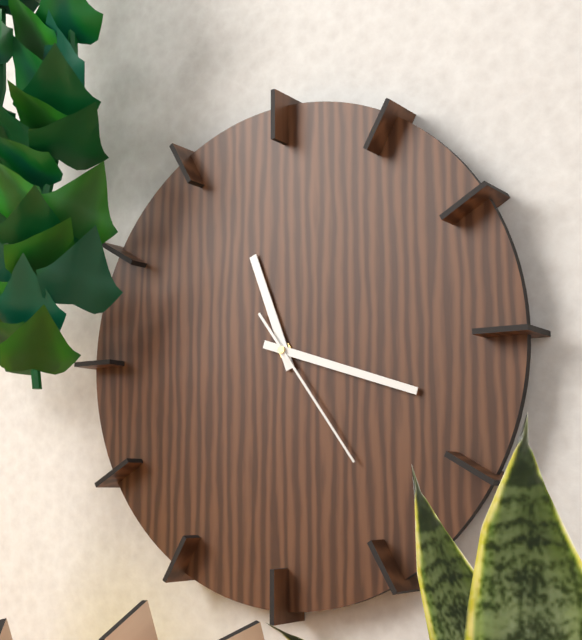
11:18:24
